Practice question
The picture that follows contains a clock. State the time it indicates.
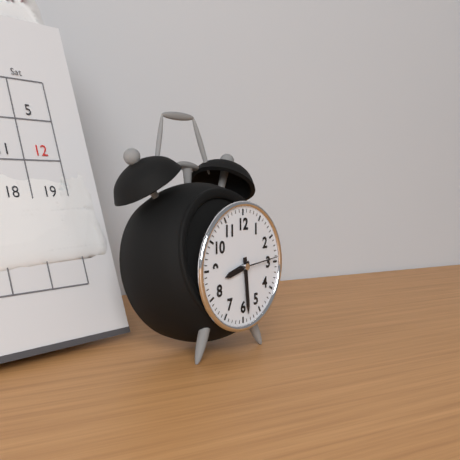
8:29
